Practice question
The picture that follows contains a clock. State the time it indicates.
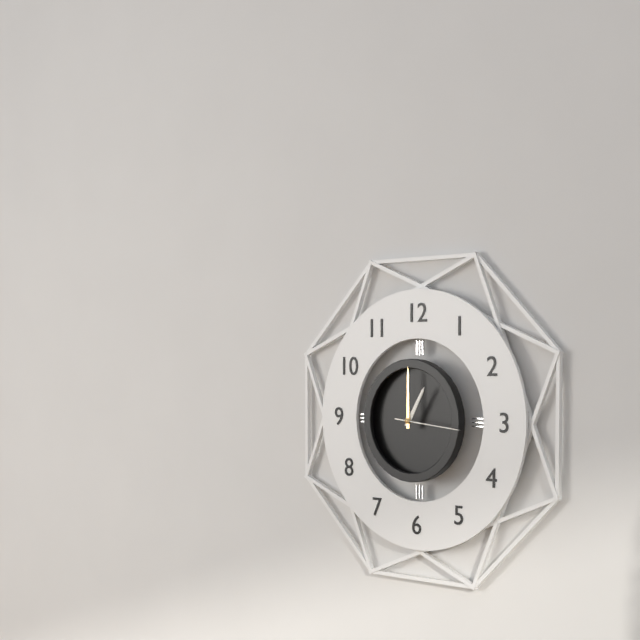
1:00:16
